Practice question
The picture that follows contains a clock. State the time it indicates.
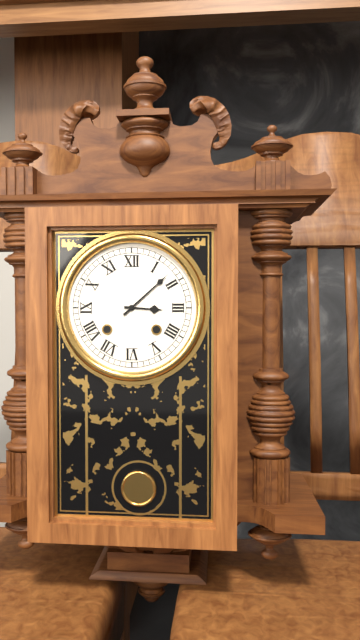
3:08
